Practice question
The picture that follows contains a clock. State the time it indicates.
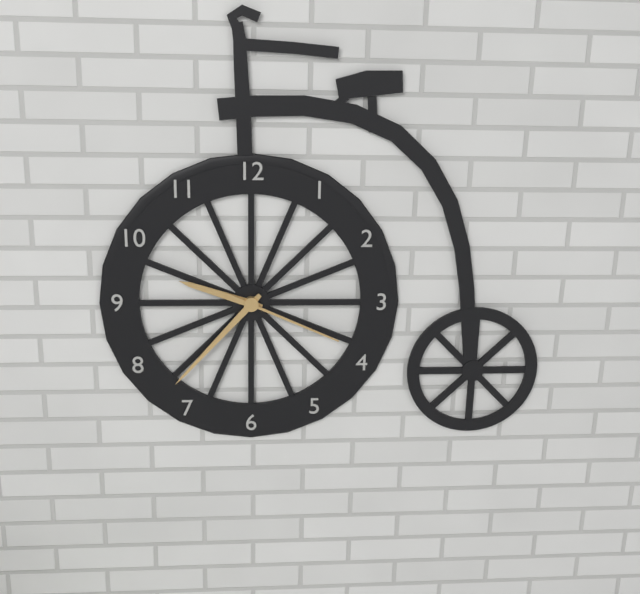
9:37:19
